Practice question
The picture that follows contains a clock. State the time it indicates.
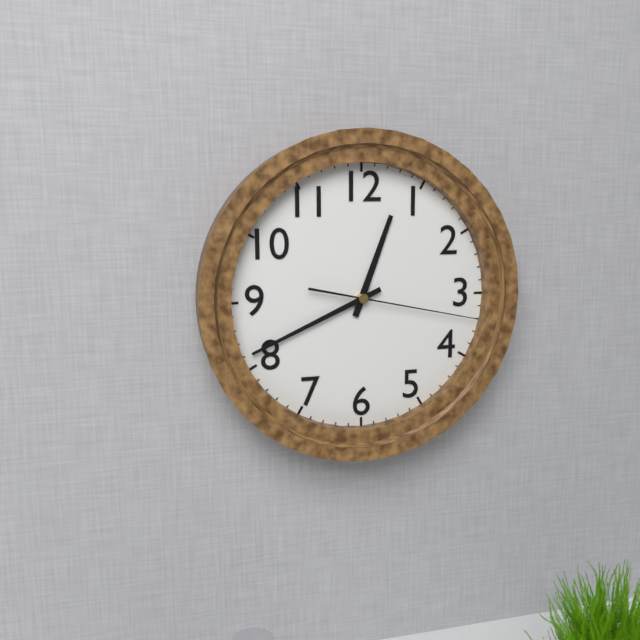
12:41:17
